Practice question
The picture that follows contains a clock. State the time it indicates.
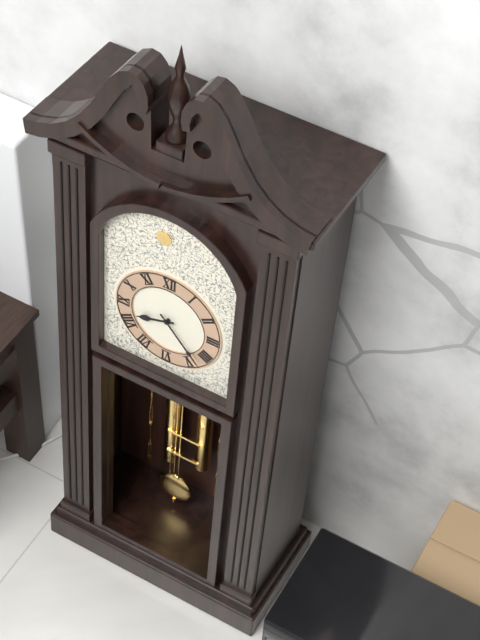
8:23
